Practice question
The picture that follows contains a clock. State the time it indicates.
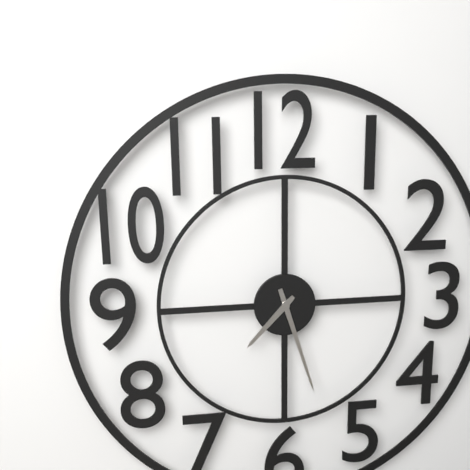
7:27
